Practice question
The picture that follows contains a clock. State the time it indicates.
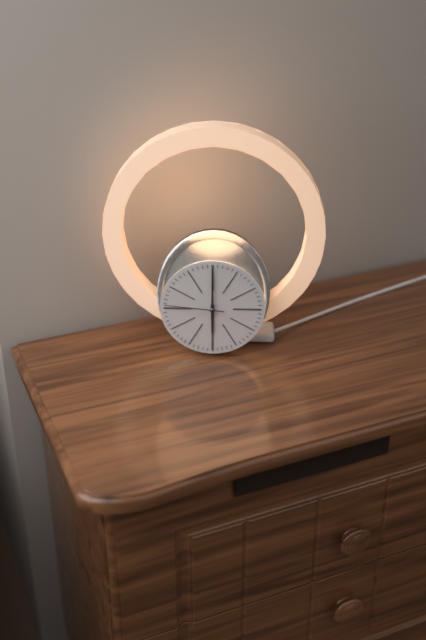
6:00:46
